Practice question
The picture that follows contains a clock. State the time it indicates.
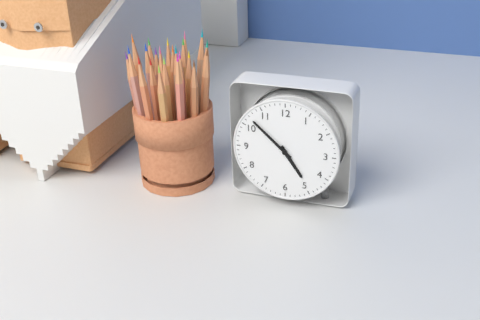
4:52
